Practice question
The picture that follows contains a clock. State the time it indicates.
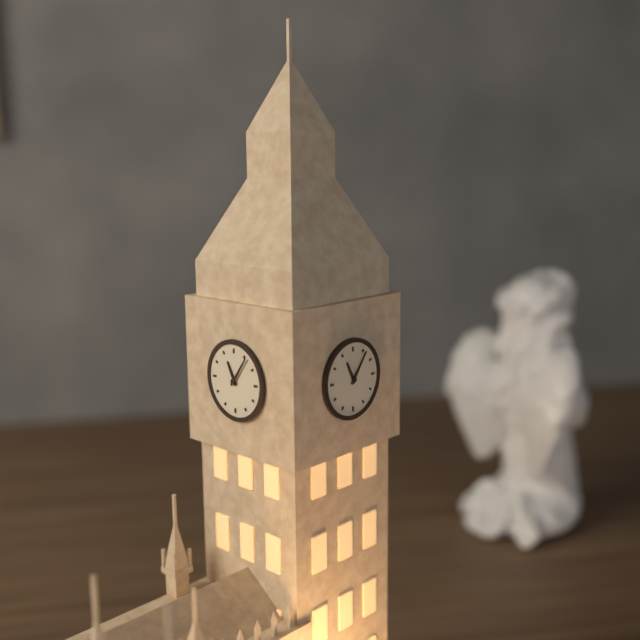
11:06
